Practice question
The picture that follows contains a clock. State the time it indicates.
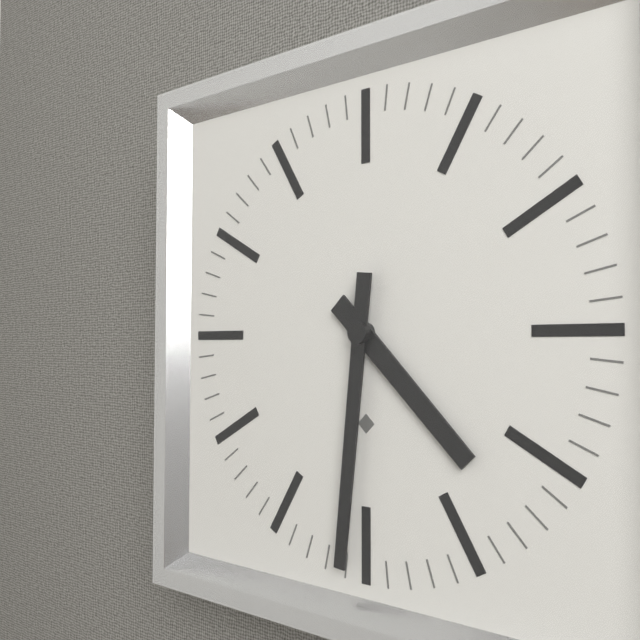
4:31
